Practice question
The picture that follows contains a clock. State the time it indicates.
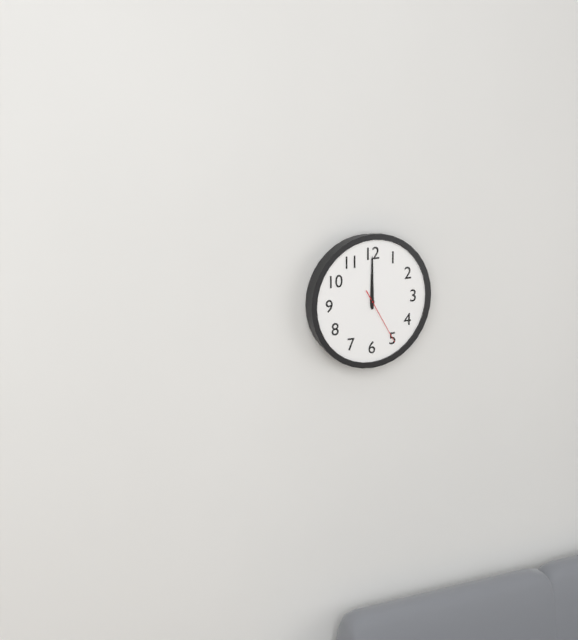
12:00:25
